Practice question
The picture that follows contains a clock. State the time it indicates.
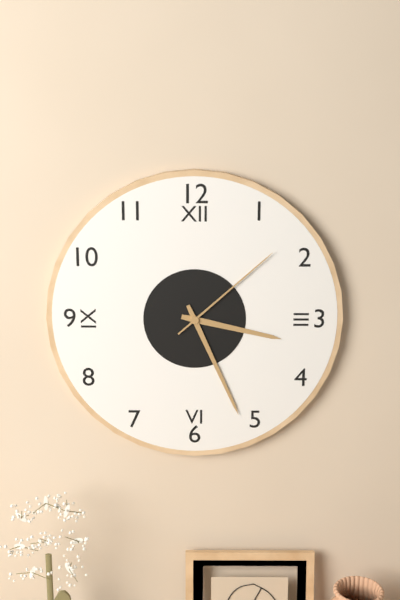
3:26:08
